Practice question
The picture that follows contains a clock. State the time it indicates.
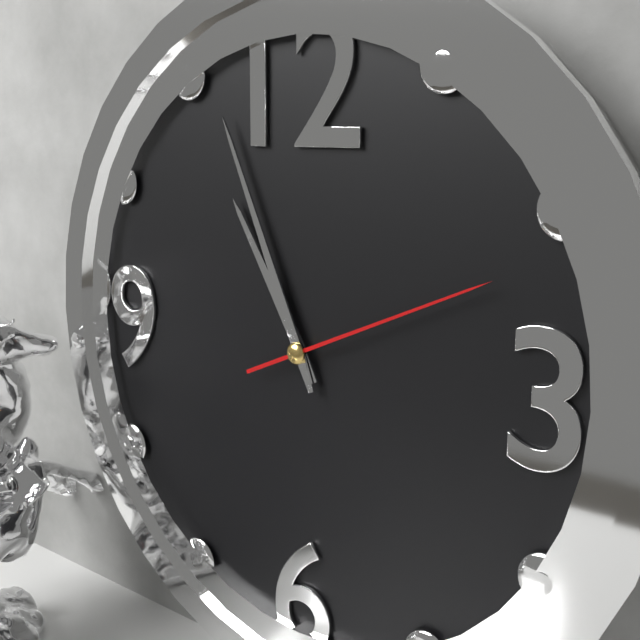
10:56:11
